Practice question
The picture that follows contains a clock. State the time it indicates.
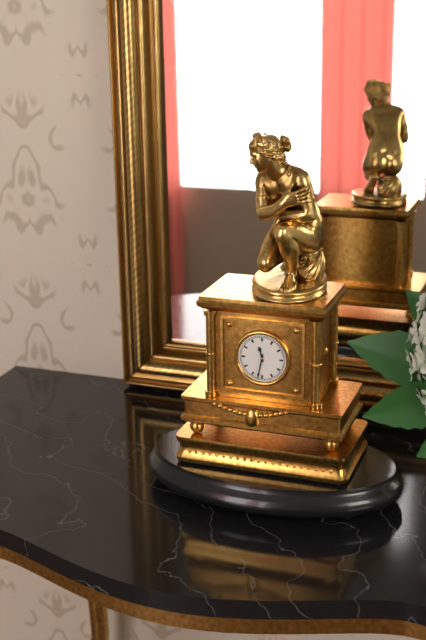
11:32
